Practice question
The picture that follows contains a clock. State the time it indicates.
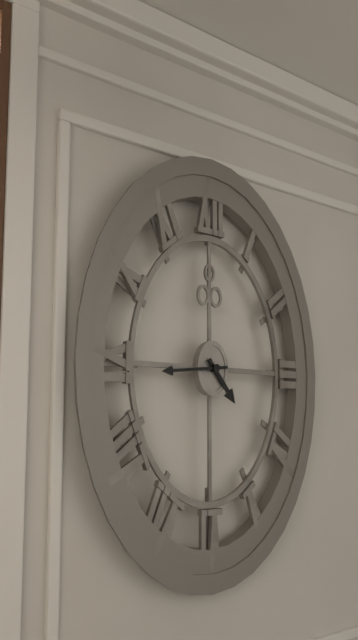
4:44
